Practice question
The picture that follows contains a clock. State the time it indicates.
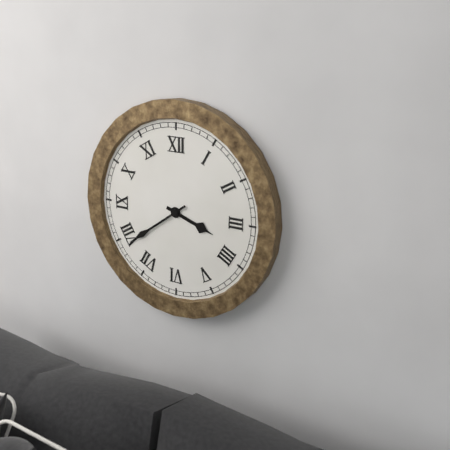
3:39
